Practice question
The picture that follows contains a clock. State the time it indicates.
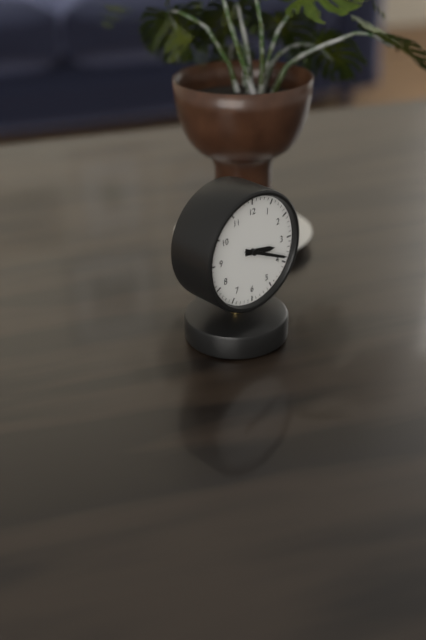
3:19
